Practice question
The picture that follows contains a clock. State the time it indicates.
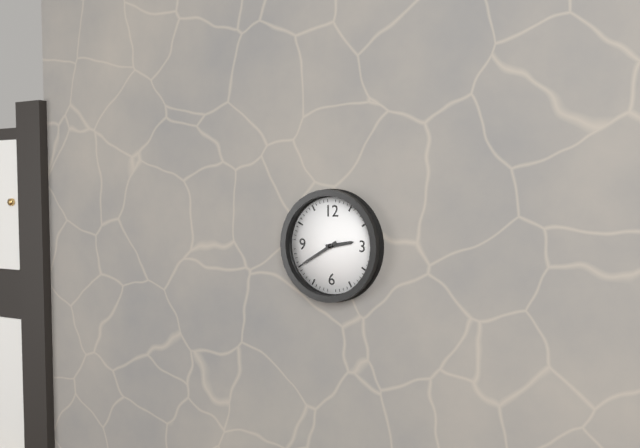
2:40
